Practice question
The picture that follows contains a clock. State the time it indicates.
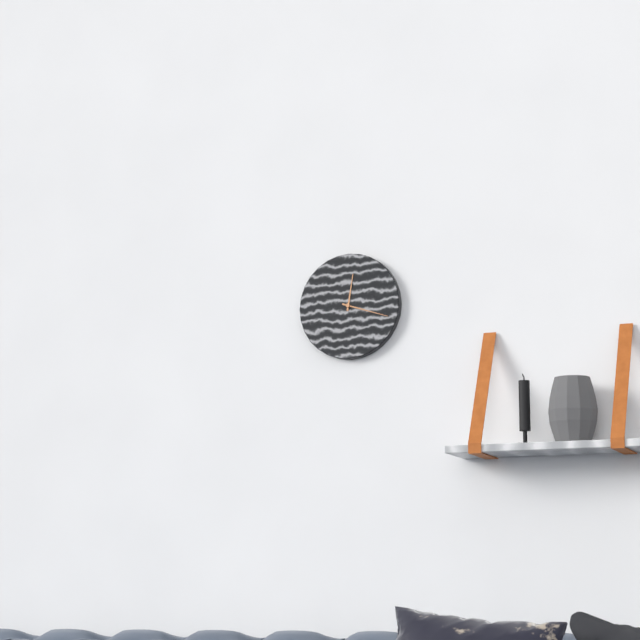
12:18
